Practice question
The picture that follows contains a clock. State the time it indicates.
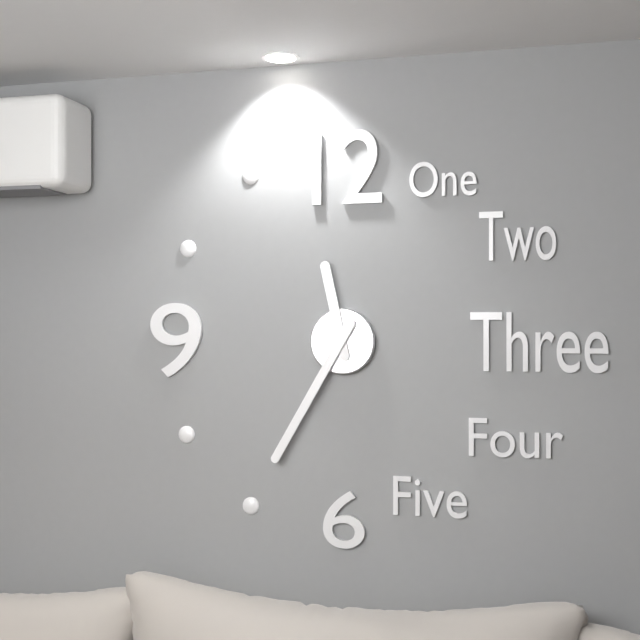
11:35
